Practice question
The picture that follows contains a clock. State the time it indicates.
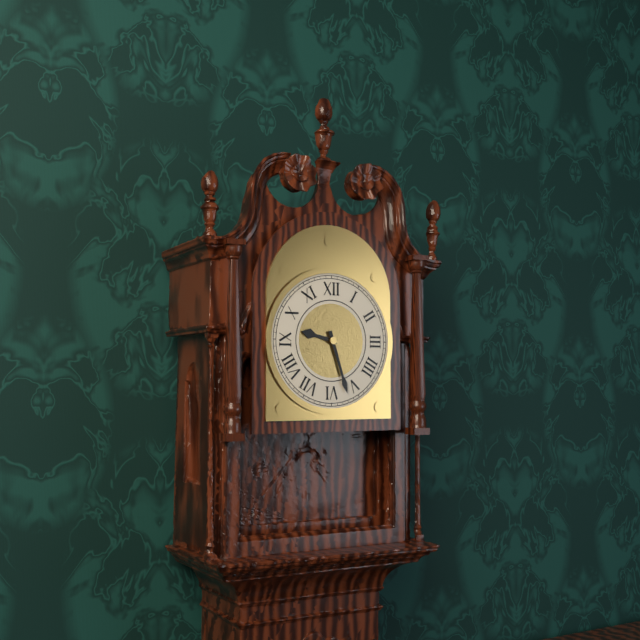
9:27
